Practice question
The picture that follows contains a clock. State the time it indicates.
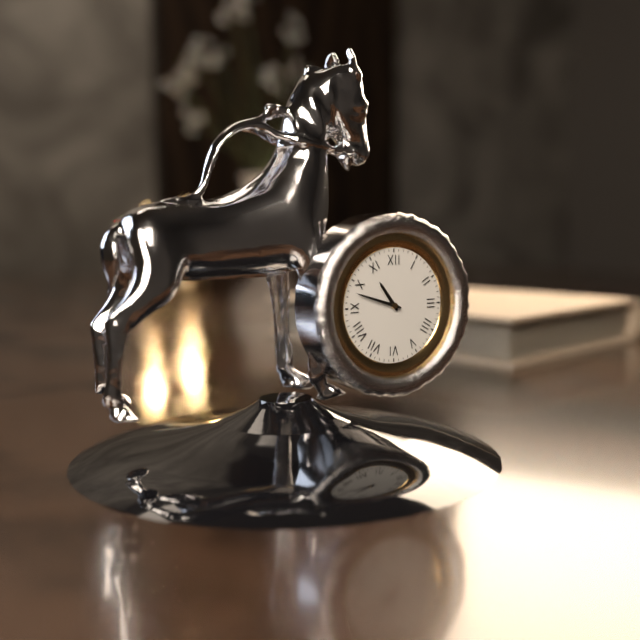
10:48
